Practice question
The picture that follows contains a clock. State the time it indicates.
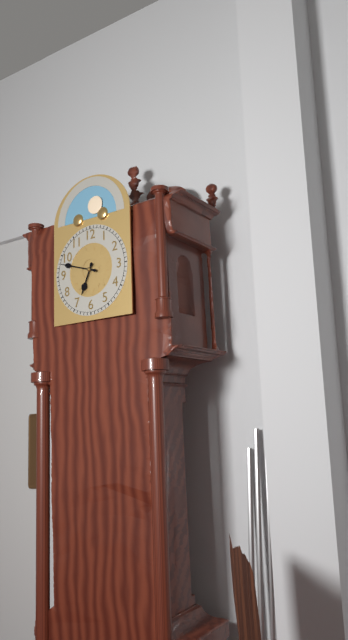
6:48
